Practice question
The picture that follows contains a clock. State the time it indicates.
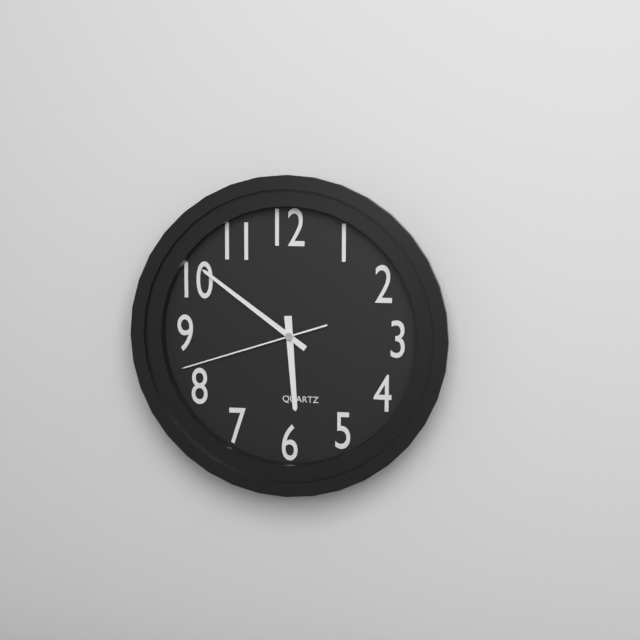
5:51:42
